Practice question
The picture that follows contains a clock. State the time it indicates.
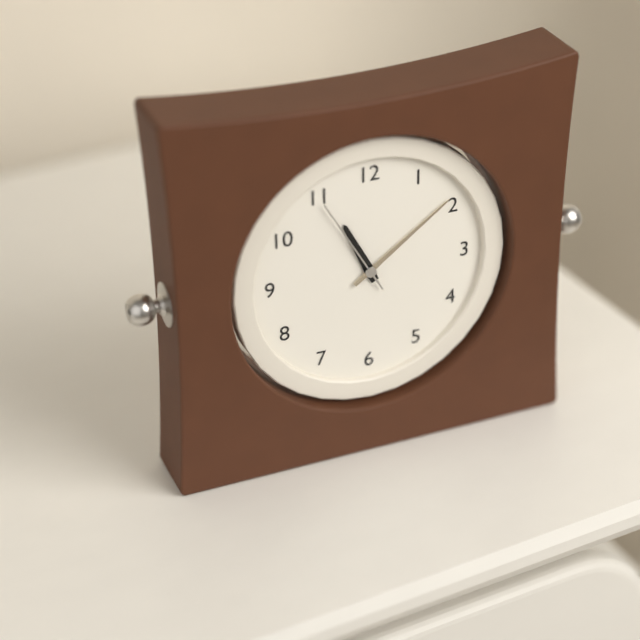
11:09:55
